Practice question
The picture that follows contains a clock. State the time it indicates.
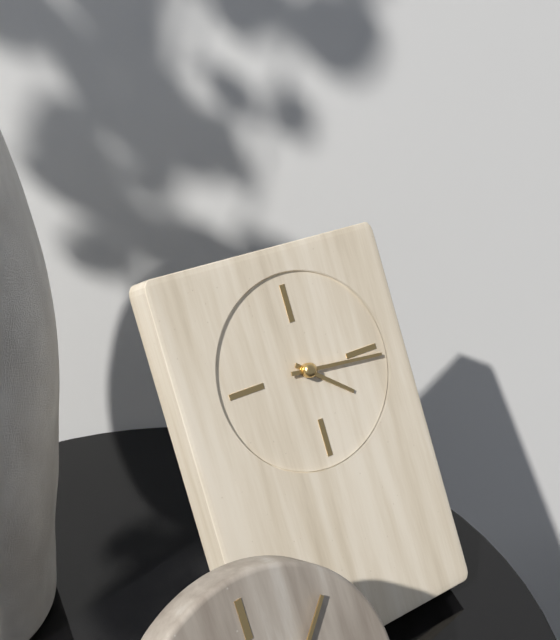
4:16
